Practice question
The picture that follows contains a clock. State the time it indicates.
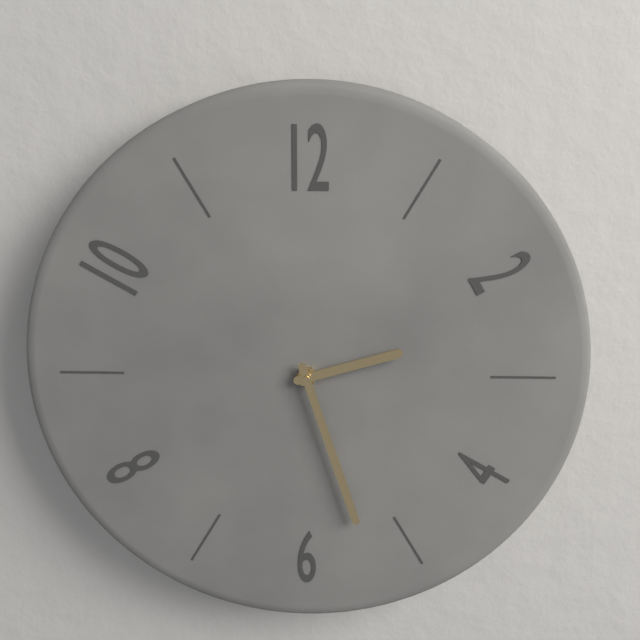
2:27
